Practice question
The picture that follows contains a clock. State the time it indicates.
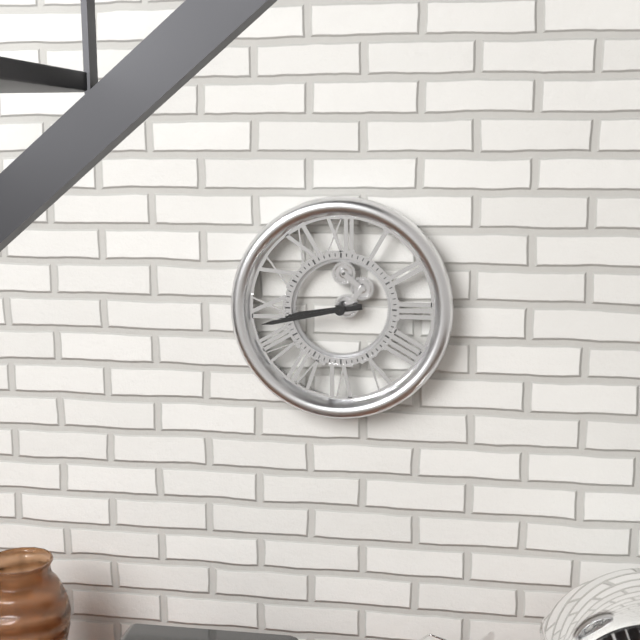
8:43
